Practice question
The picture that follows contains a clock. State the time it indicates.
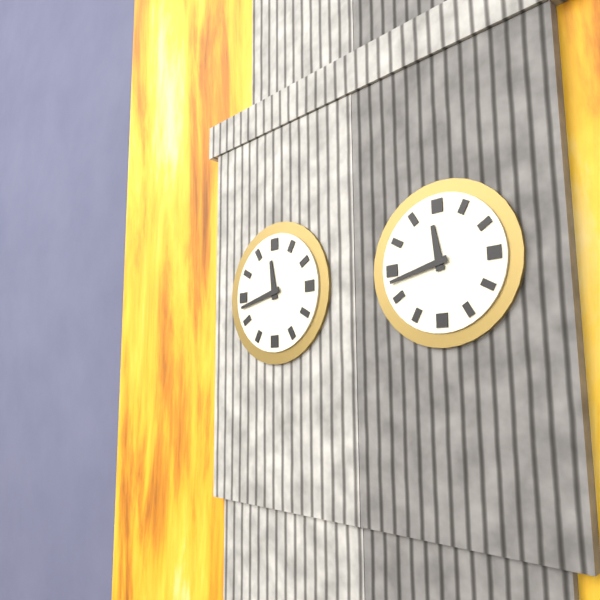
11:43
